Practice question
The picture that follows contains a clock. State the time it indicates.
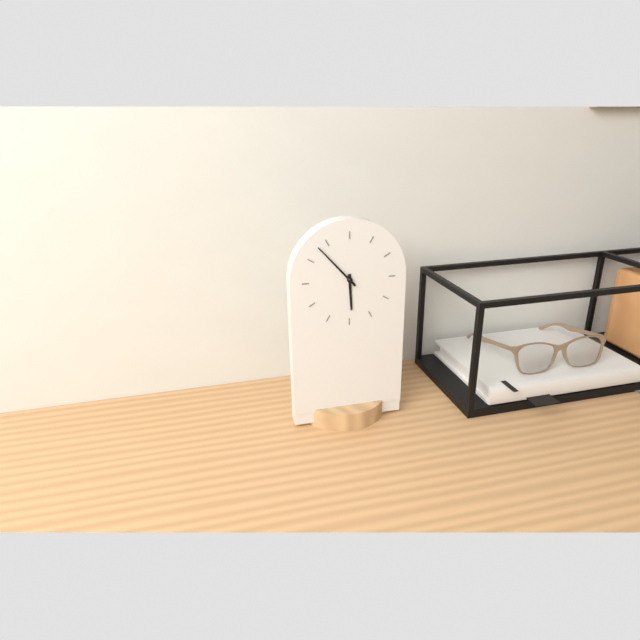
5:53
